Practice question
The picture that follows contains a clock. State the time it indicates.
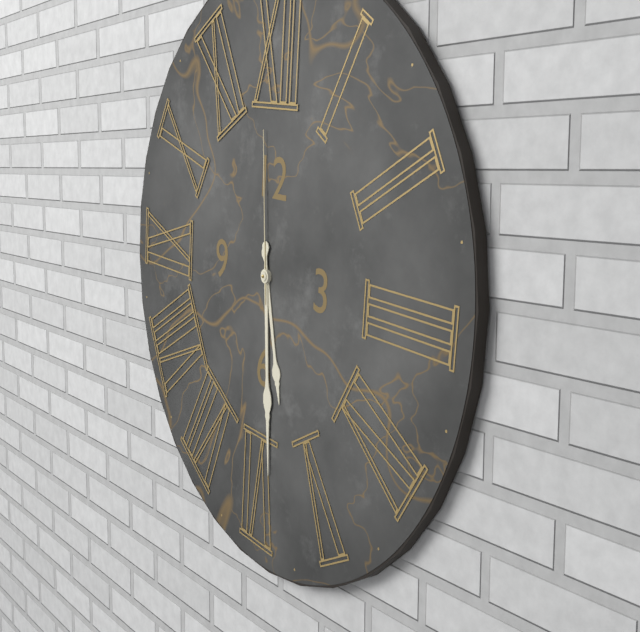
5:29:59
